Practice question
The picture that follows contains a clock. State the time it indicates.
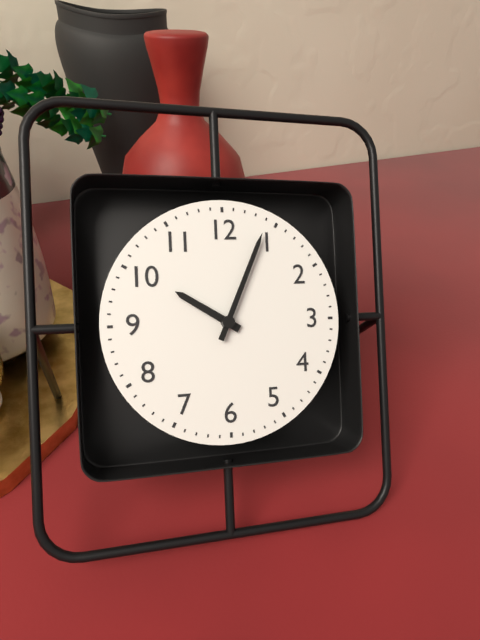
10:04
